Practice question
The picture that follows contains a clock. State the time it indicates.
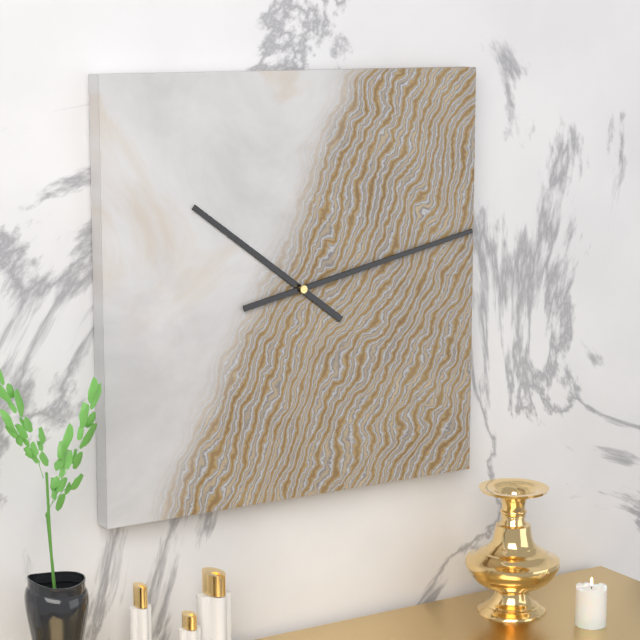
10:13
